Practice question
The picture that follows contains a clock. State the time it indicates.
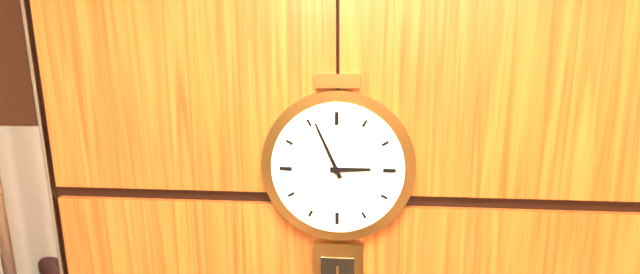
2:56
